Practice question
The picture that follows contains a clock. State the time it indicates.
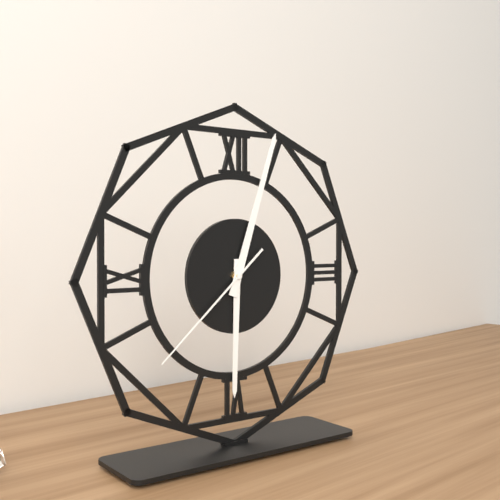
6:03:38
